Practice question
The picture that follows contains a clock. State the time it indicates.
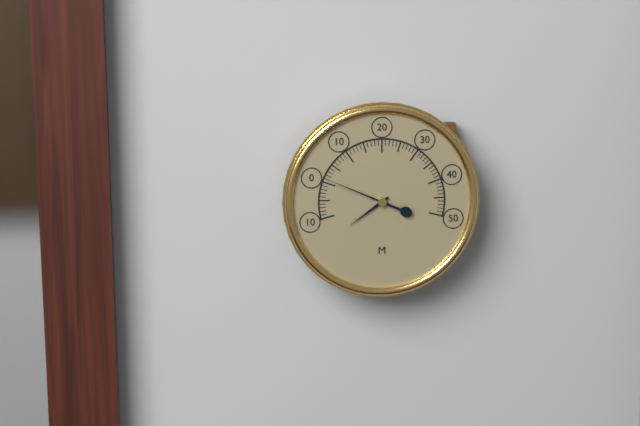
7:49
